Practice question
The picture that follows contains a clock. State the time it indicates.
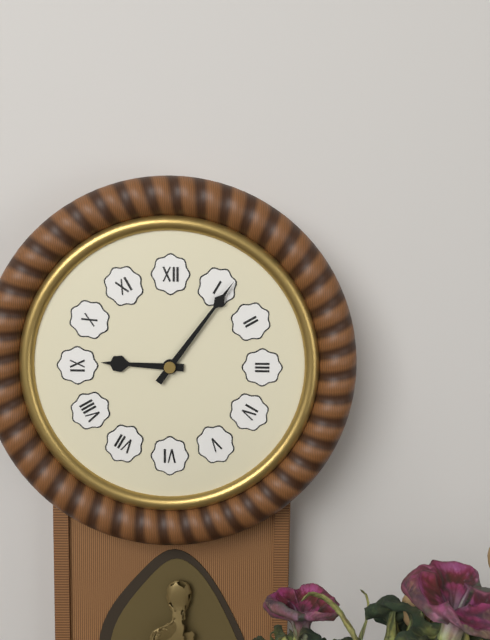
9:06
